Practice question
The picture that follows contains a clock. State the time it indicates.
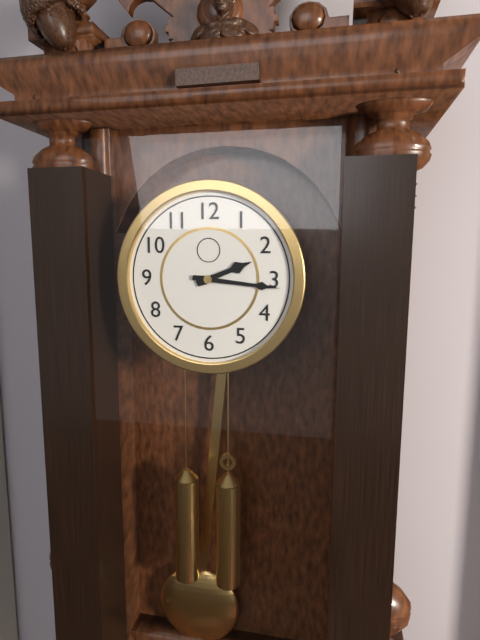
2:16
